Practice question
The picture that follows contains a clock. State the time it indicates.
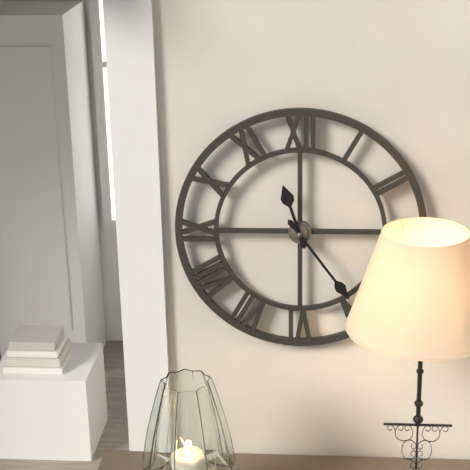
11:24
